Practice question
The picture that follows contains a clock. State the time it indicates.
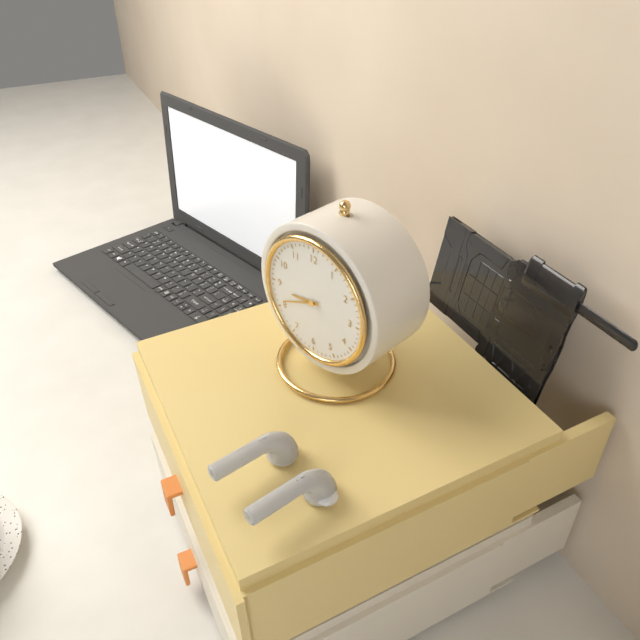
8:41
